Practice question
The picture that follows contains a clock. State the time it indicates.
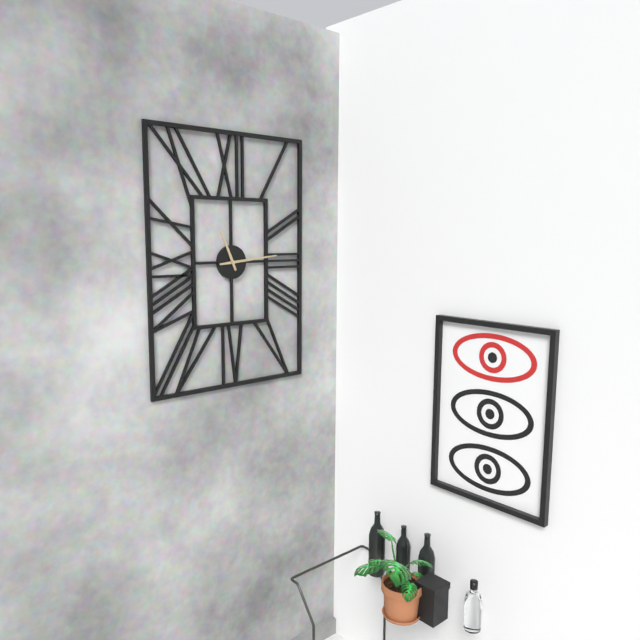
11:14
